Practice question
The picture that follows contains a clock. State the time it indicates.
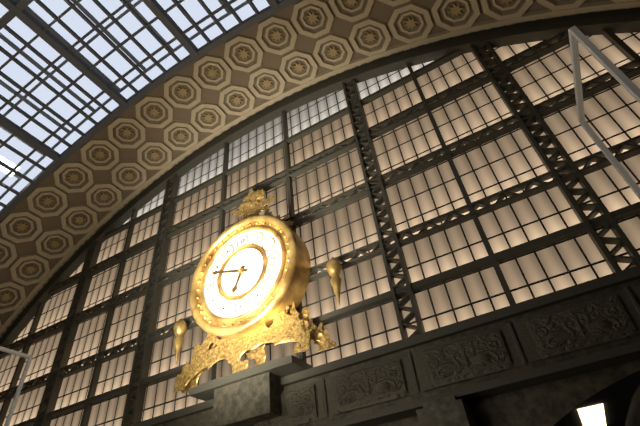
6:48
